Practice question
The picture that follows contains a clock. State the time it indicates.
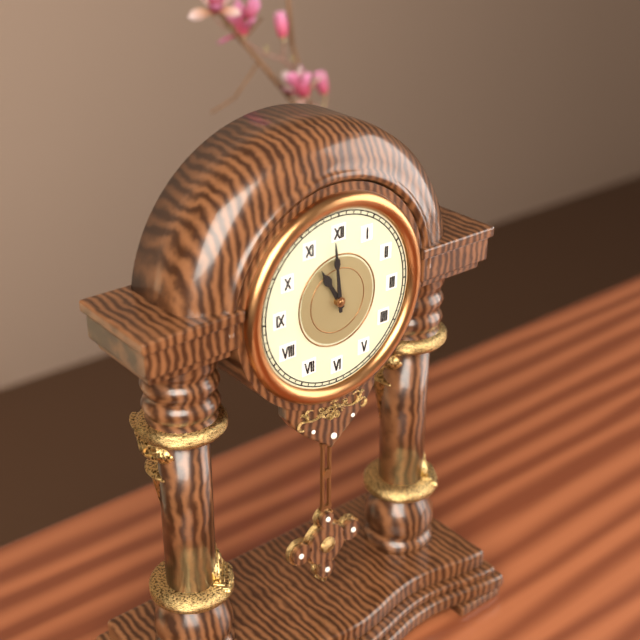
10:59
